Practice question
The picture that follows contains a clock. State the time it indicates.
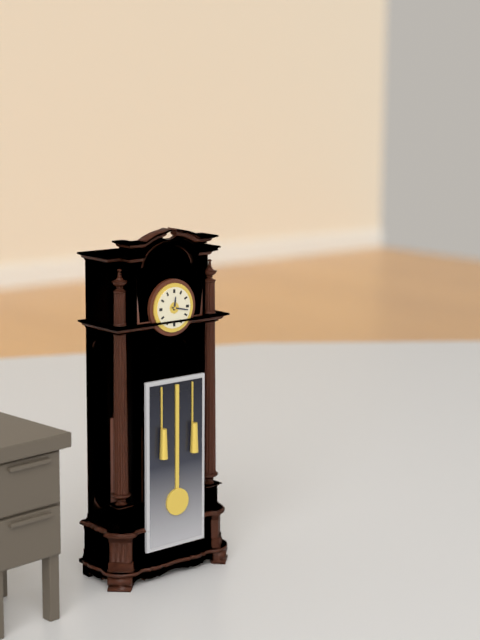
12:17
